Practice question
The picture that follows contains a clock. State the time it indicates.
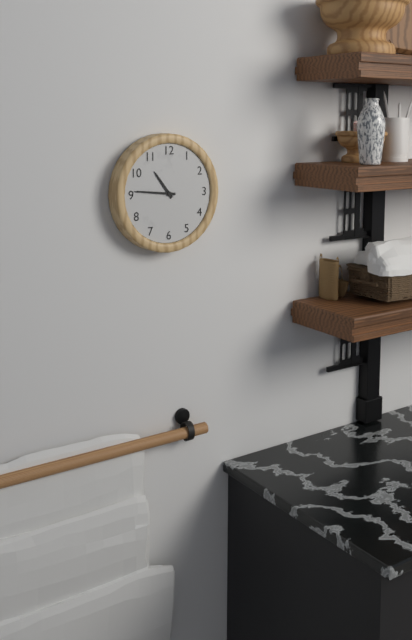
10:46
